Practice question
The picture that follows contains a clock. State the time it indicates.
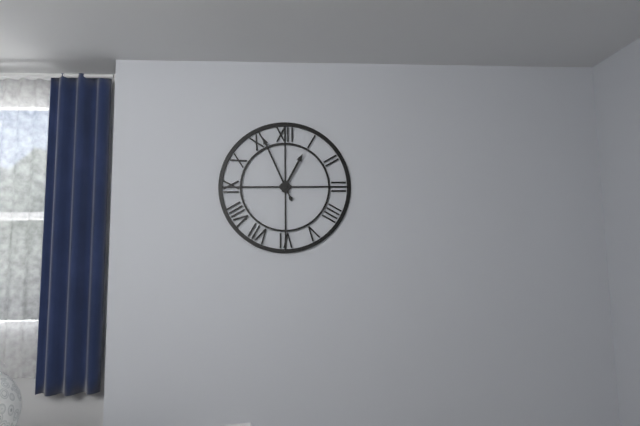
12:56
